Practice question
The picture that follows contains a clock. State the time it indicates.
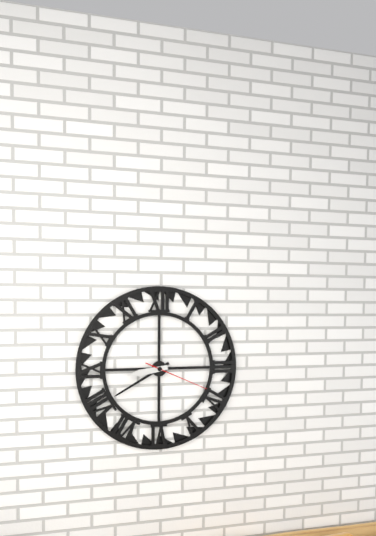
8:40:19
